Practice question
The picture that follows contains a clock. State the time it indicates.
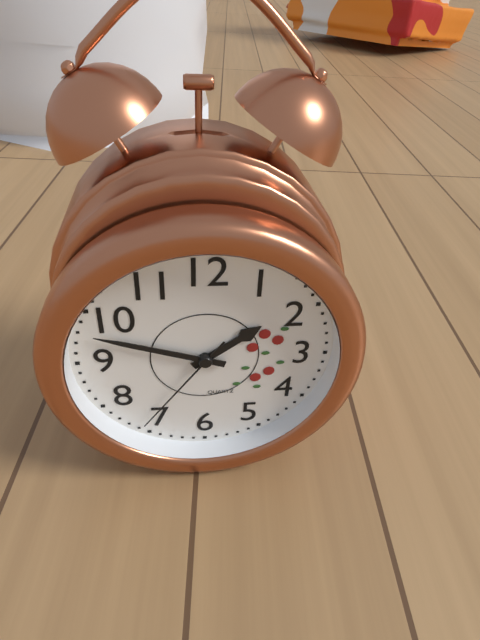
1:48:36
